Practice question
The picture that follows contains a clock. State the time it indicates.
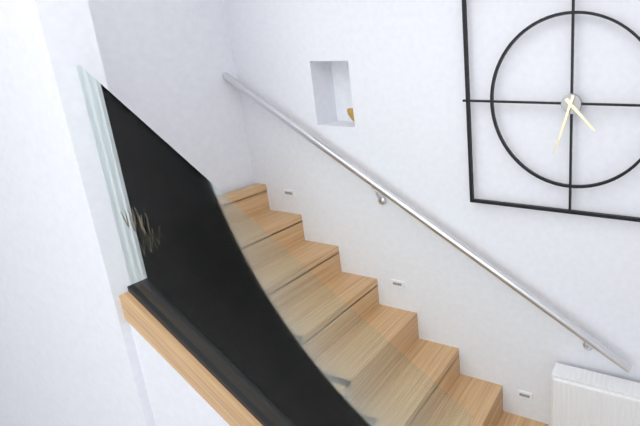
4:33
